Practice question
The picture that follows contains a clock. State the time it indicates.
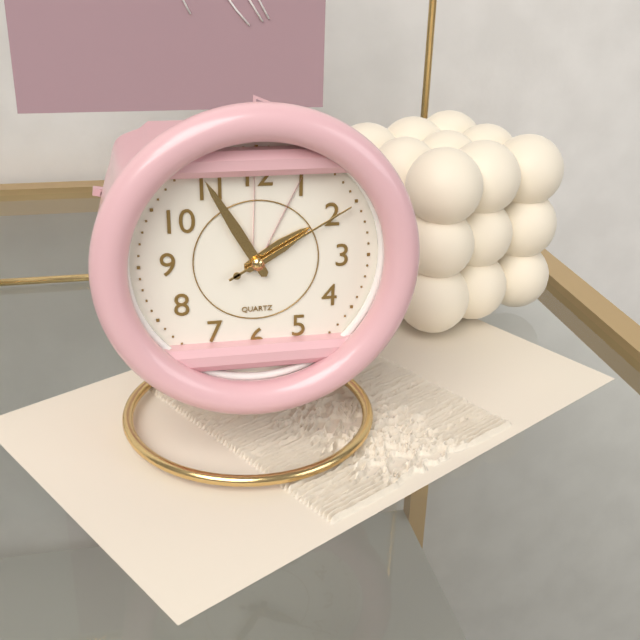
1:55:10
